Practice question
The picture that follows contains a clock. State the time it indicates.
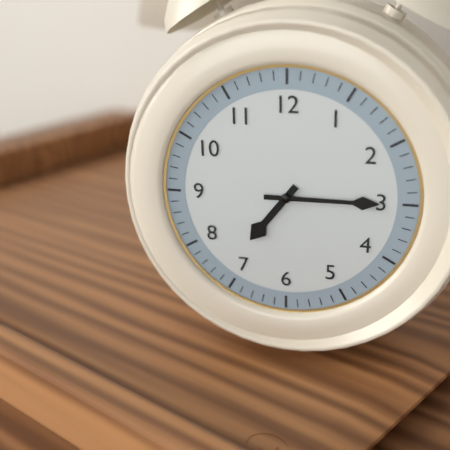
7:15
